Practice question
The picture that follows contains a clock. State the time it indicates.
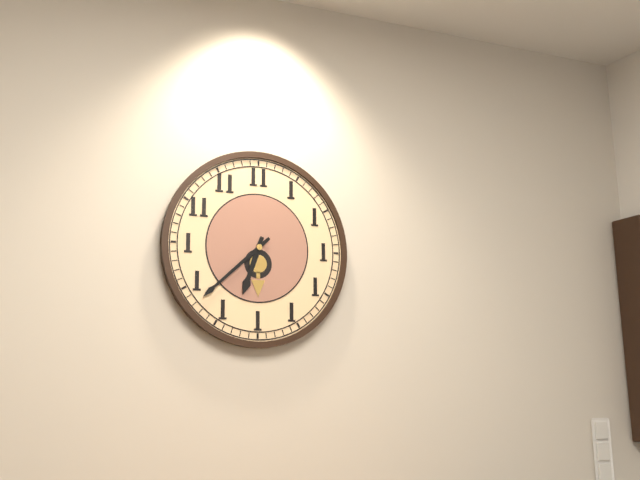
6:38
